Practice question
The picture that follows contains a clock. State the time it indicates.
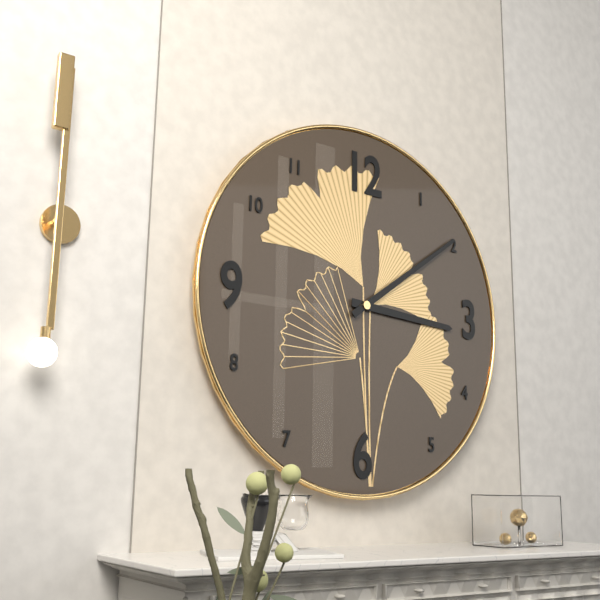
3:09
